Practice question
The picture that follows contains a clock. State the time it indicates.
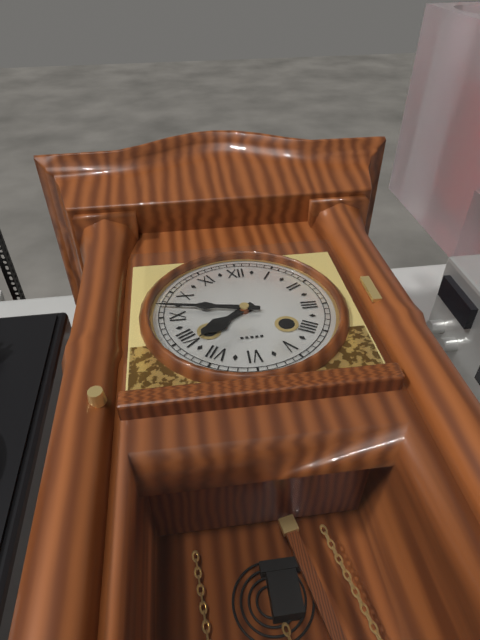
7:47
